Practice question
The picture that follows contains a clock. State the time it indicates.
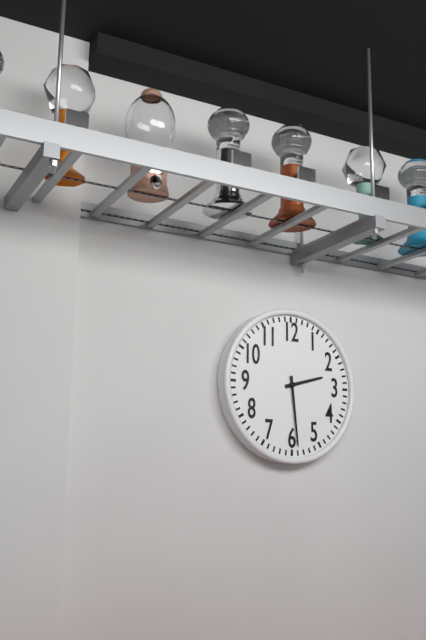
2:29
